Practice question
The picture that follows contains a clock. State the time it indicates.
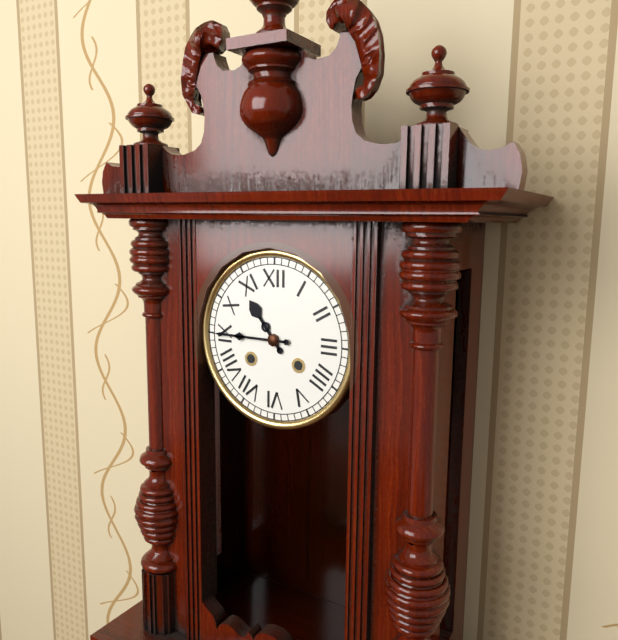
10:45
